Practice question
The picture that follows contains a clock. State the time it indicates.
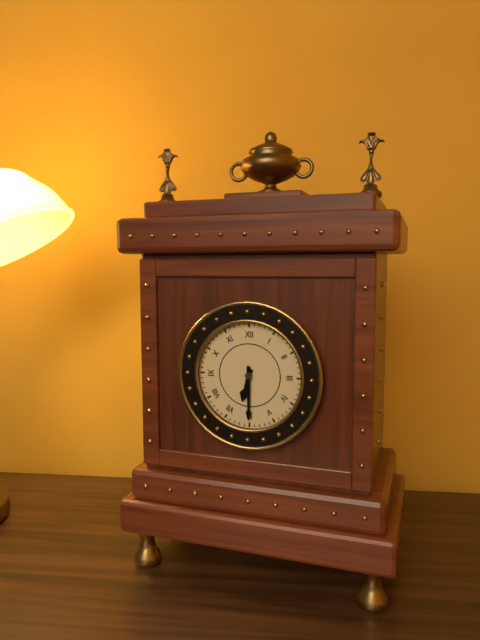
6:30
